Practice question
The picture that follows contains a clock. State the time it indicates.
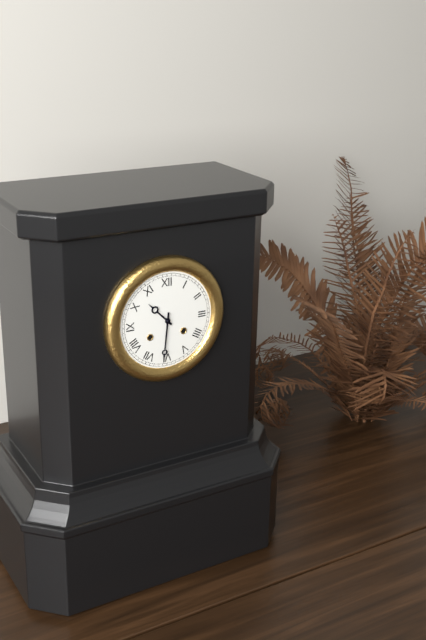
10:31
